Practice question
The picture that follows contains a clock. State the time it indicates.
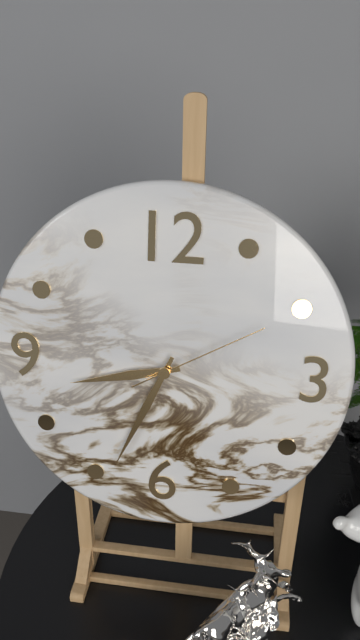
8:34:10
